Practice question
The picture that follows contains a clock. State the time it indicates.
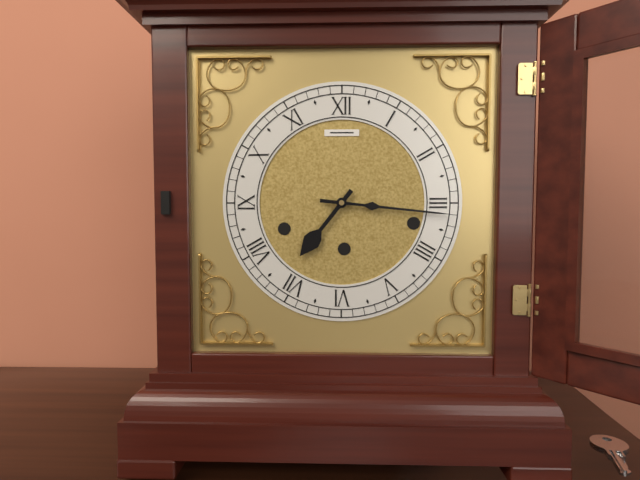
7:16
